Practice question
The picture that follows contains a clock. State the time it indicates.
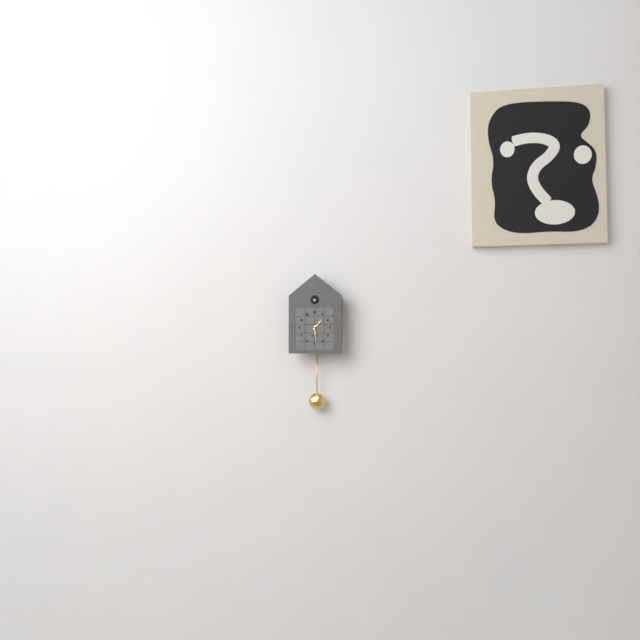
1:29
